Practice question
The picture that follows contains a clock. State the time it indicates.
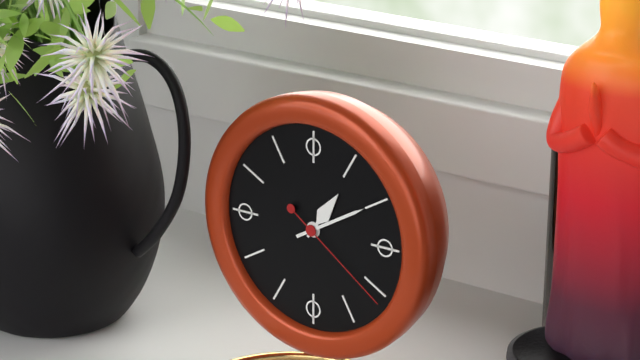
1:10:21
